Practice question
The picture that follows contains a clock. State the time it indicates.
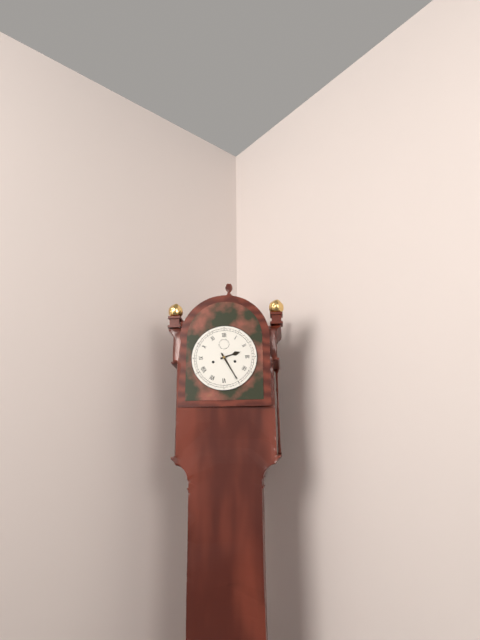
2:25
